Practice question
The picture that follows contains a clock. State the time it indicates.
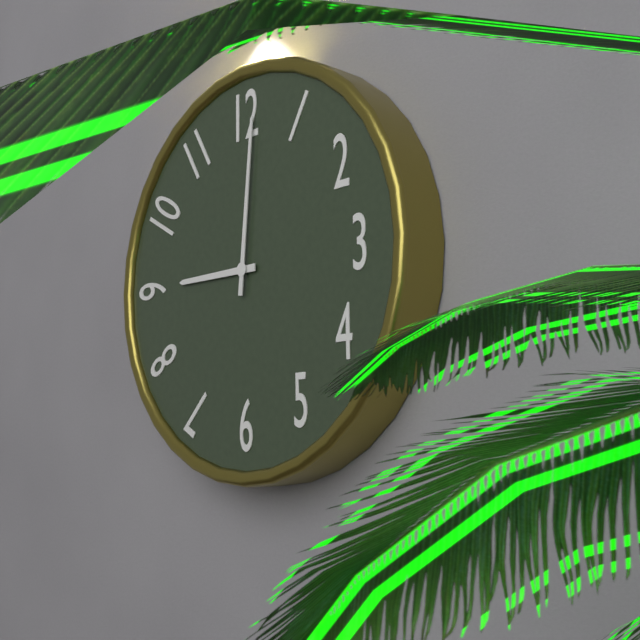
9:01
